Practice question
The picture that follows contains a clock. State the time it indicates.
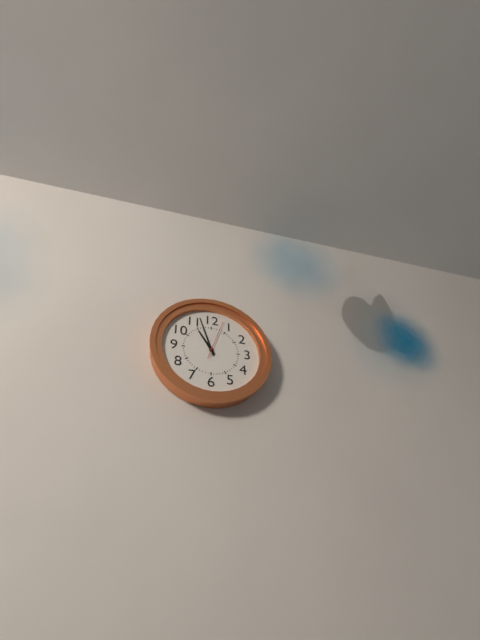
10:57
